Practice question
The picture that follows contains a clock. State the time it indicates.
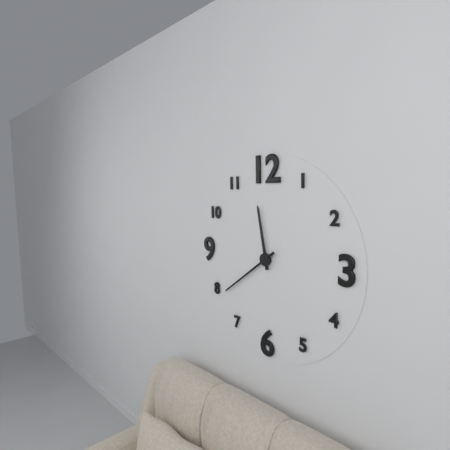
11:39
